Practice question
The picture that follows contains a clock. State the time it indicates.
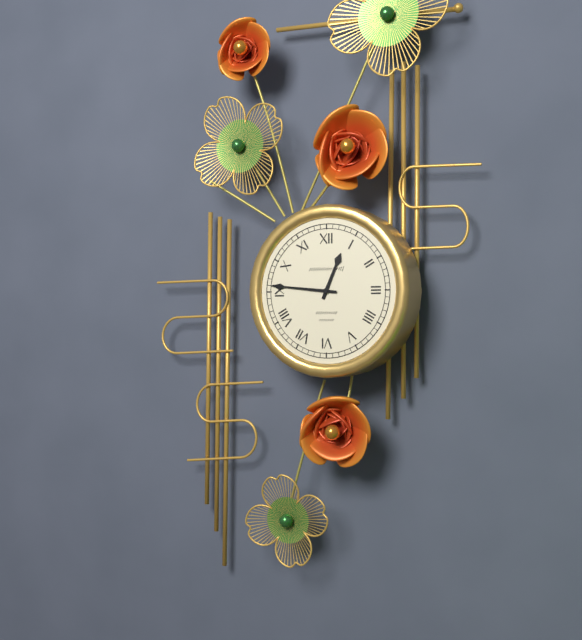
12:46
